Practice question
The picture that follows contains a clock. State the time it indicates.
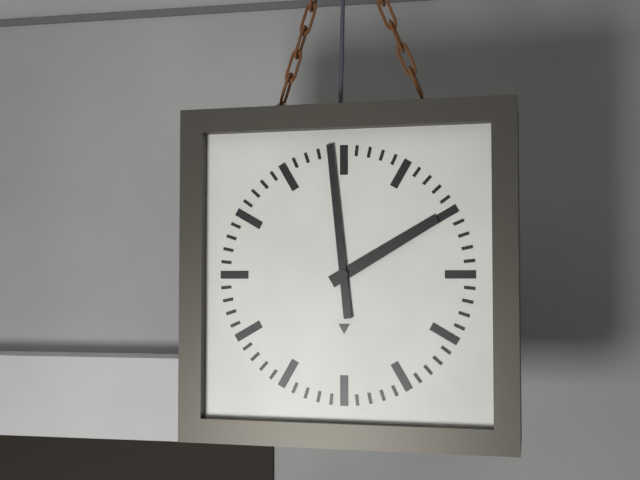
1:59
